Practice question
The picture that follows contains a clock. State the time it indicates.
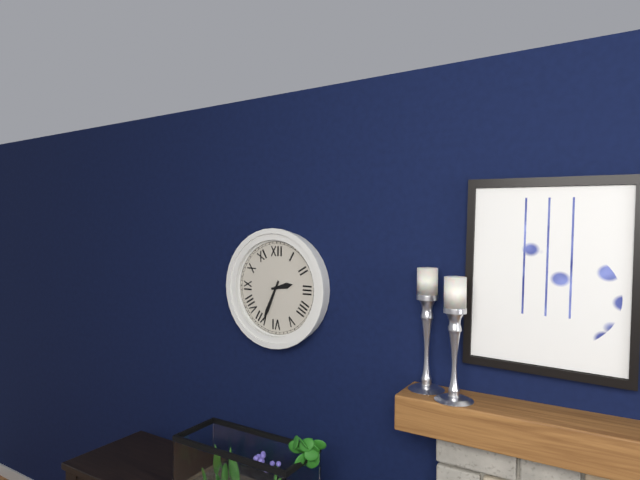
2:34
